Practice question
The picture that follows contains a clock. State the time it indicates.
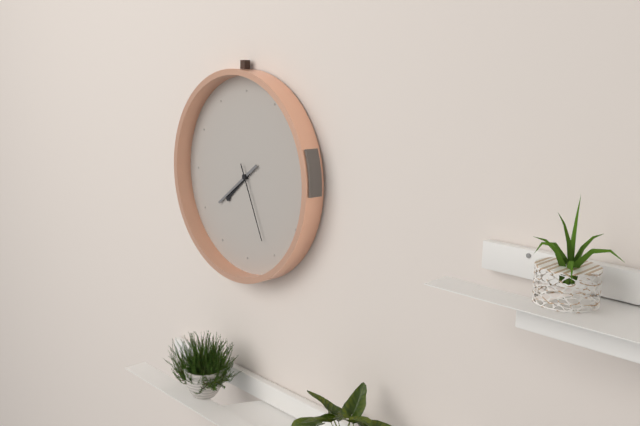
7:39:26
